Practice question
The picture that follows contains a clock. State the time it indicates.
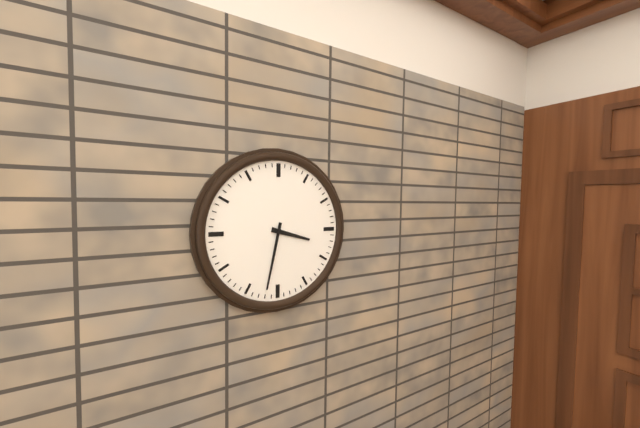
3:32
